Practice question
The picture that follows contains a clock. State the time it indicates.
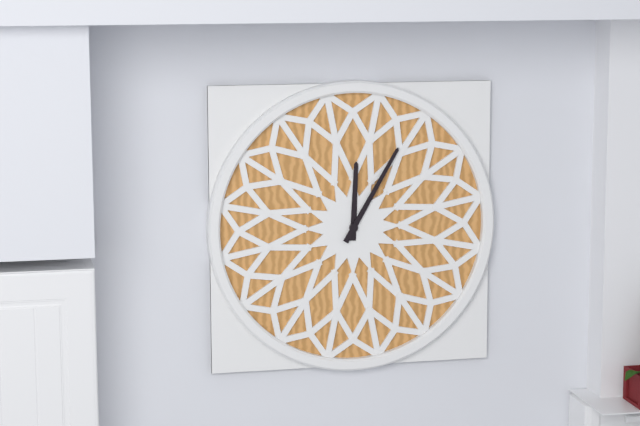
12:05
